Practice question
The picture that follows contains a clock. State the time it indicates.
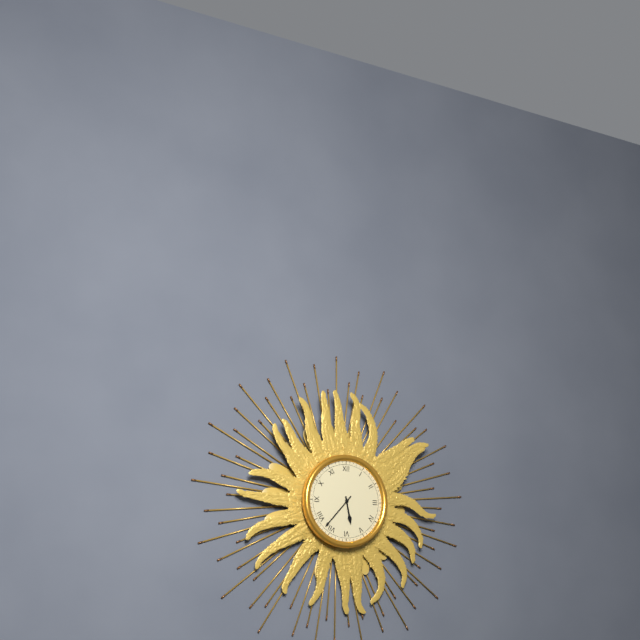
5:37
